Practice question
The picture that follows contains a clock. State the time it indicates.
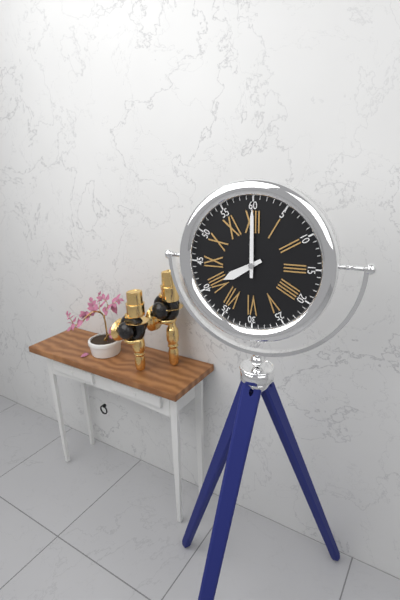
8:00
